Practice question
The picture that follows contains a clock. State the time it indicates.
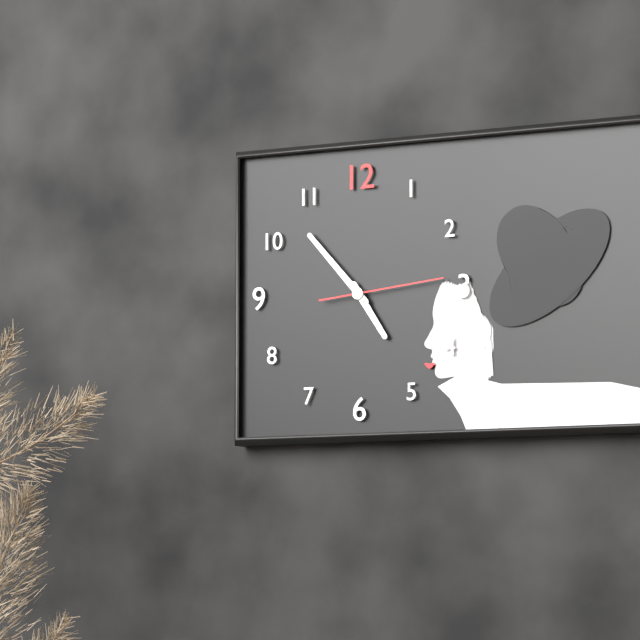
4:53:14
